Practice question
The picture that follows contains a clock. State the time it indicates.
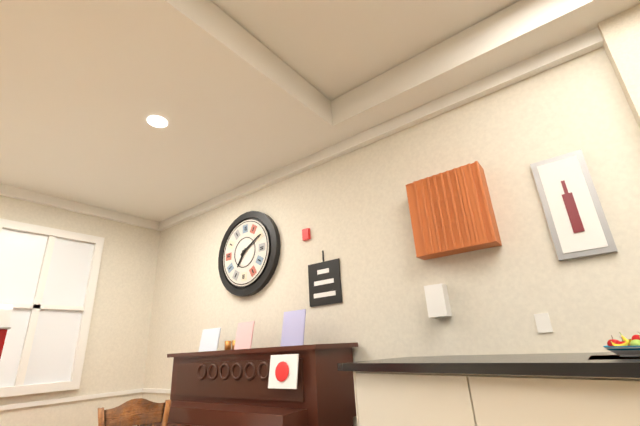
7:10
